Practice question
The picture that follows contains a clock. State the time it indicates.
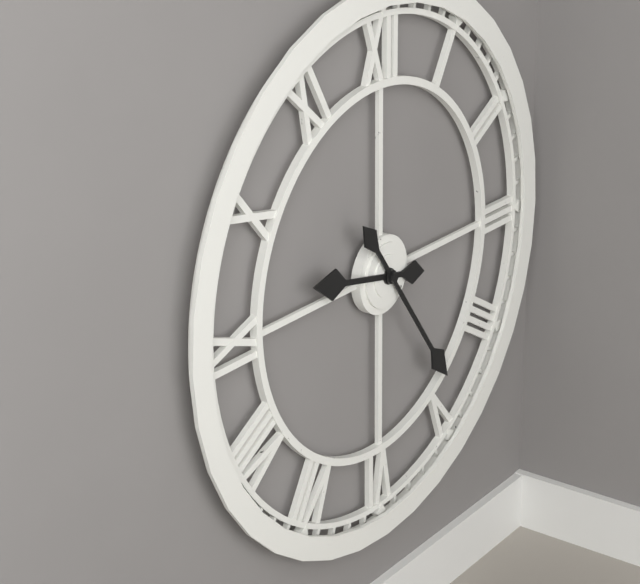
9:24
